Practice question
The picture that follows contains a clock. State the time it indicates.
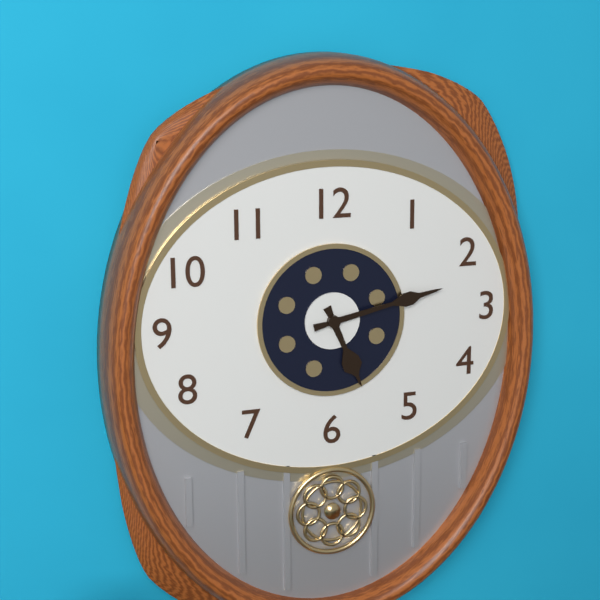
5:13
